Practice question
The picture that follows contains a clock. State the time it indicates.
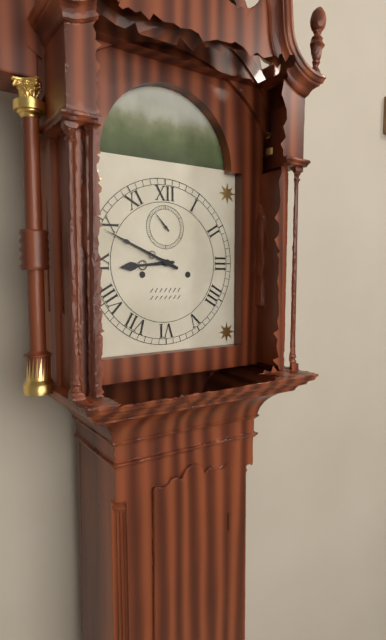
8:49
